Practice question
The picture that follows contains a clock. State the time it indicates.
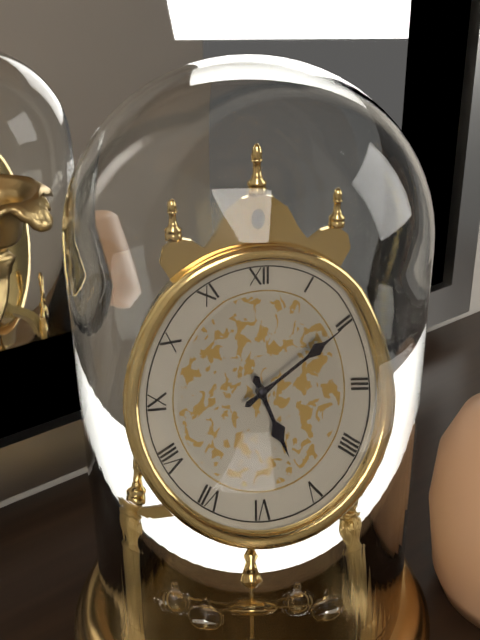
5:10
